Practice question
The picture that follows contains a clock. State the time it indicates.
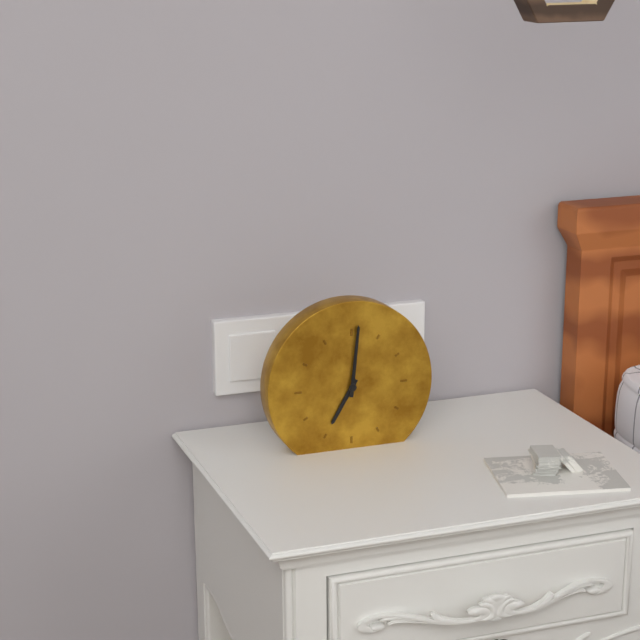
7:01
